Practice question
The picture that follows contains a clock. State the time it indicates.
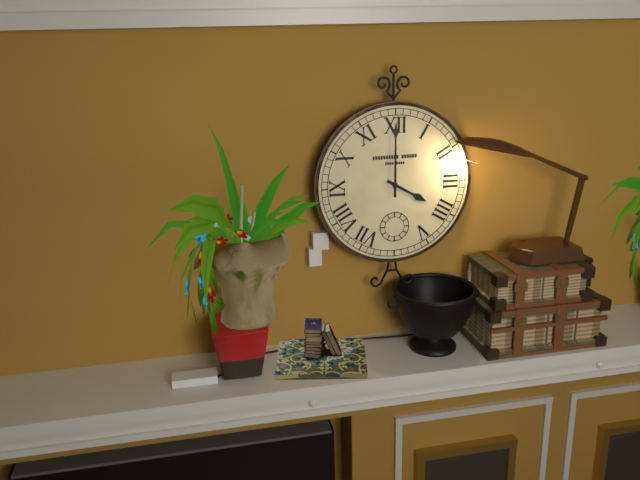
4:00
